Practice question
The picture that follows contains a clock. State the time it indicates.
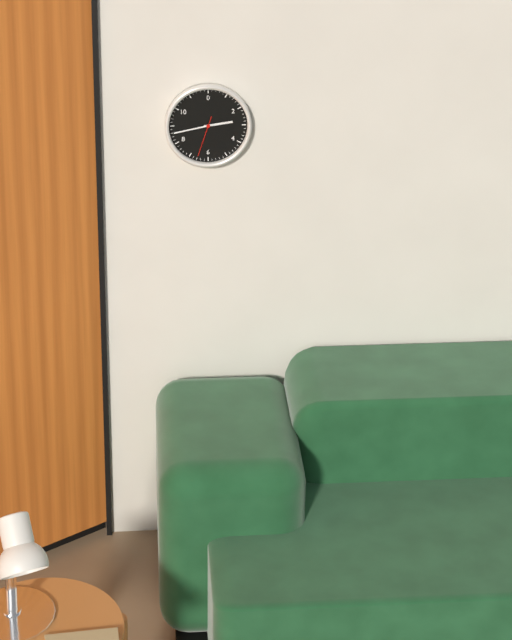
2:43
